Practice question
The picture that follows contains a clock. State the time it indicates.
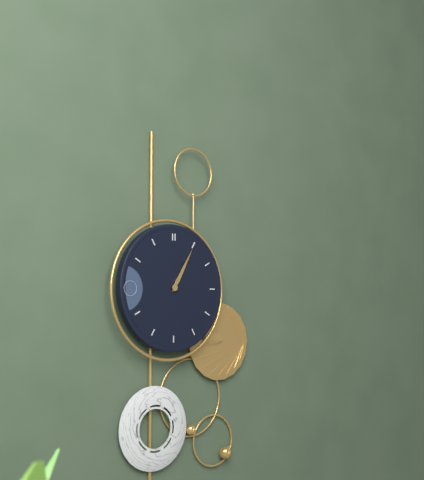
1:05
